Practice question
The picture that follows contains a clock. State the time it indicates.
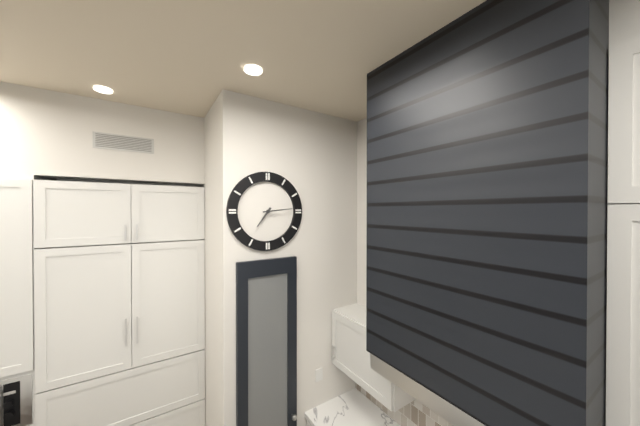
7:14
